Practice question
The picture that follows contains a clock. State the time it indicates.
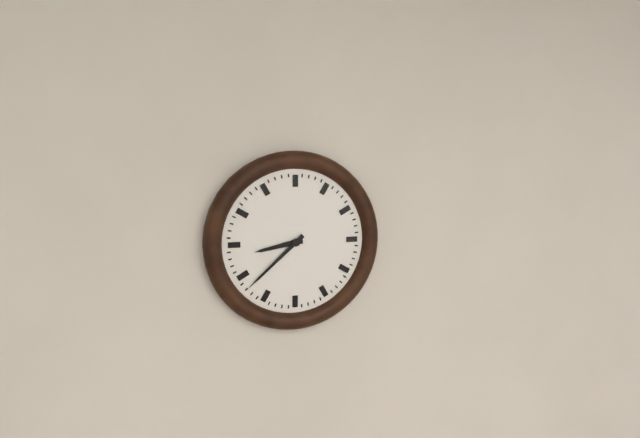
8:38
